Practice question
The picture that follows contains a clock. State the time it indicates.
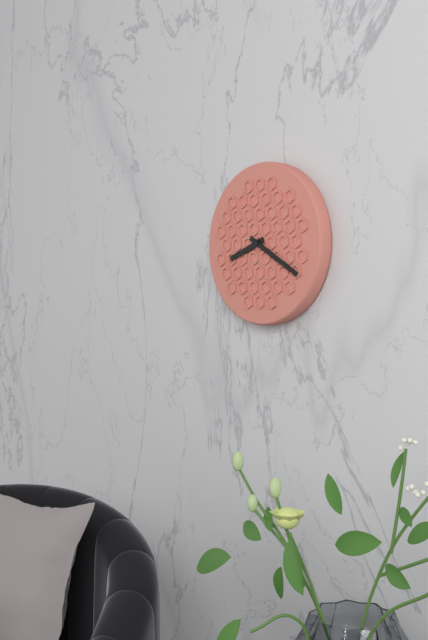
8:20
